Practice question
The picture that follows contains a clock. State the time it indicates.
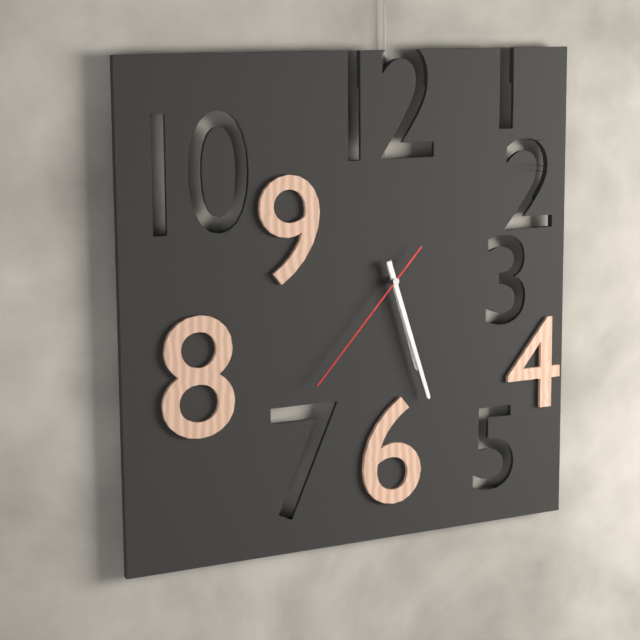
5:27:37
